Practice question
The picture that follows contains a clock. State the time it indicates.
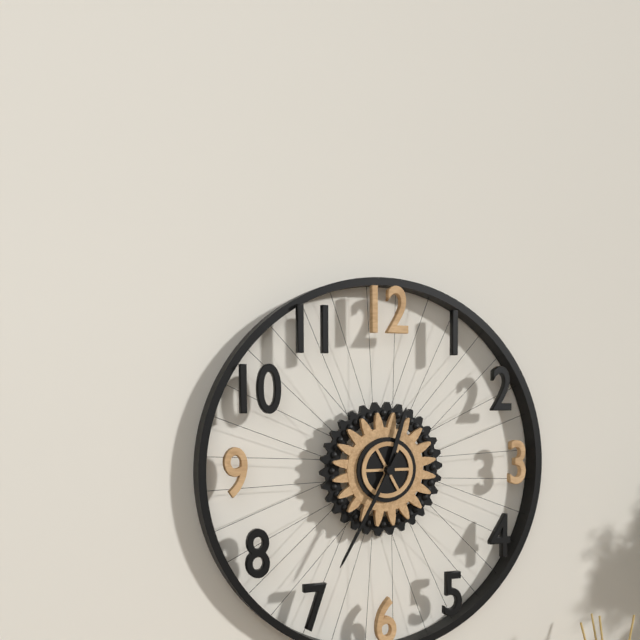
12:35
